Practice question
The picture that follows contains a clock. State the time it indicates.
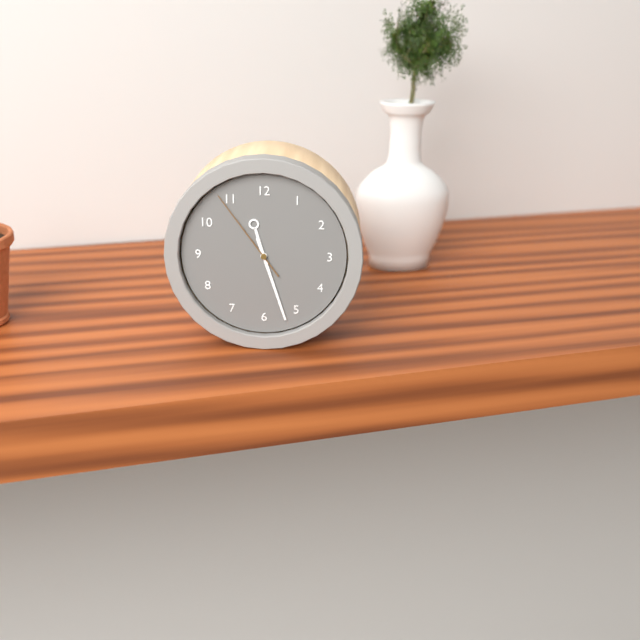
11:27:54
